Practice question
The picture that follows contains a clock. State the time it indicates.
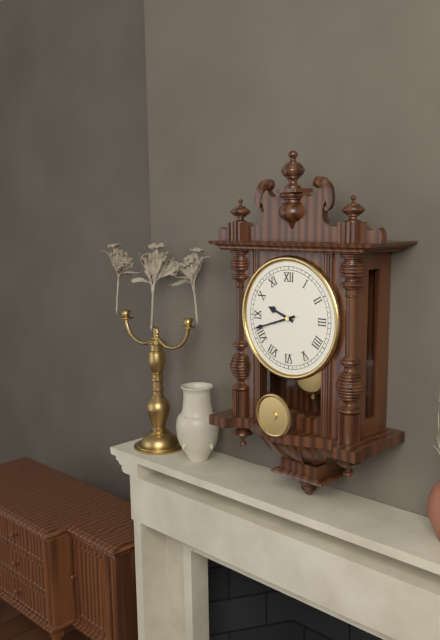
9:42
